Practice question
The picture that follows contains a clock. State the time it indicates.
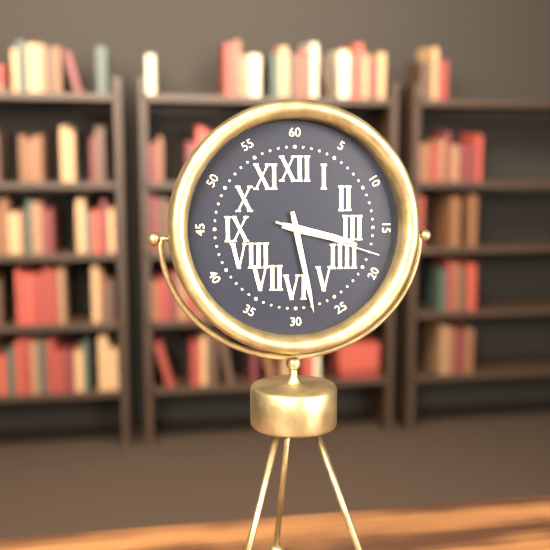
3:28:18
